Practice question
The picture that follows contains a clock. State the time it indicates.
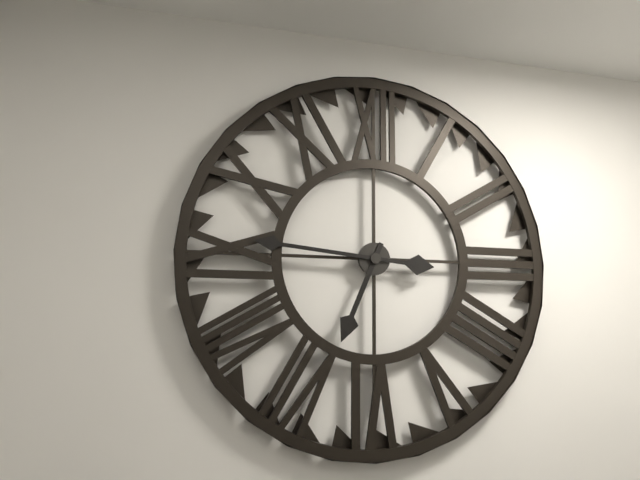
6:46
